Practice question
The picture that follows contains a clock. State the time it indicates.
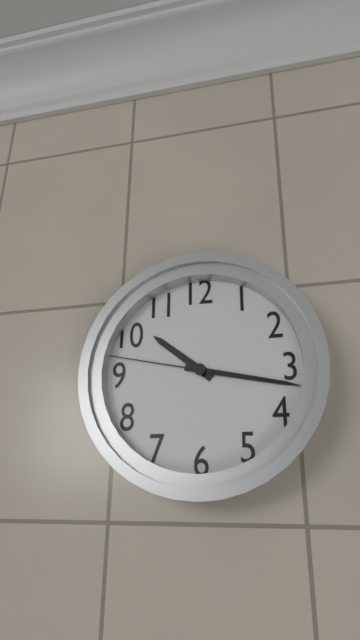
10:17:47
